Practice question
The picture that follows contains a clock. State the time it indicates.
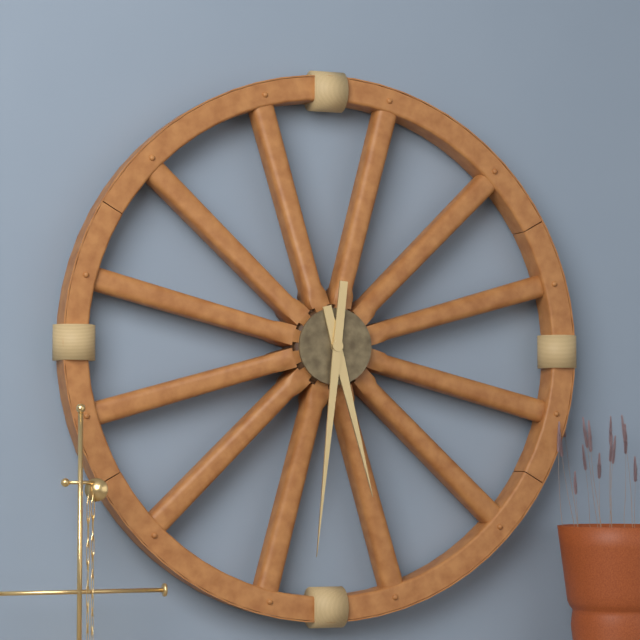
5:31
